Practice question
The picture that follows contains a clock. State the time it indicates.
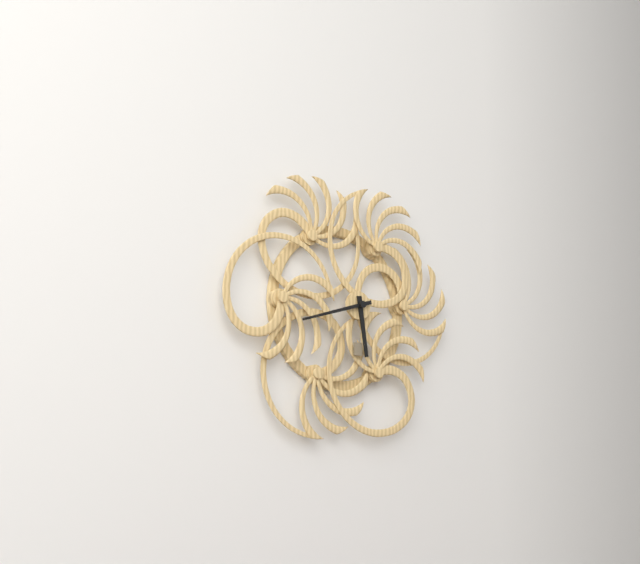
5:42
